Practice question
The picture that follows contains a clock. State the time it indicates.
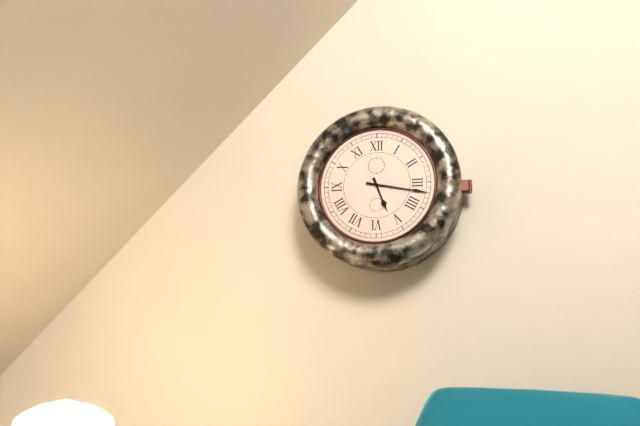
5:17
